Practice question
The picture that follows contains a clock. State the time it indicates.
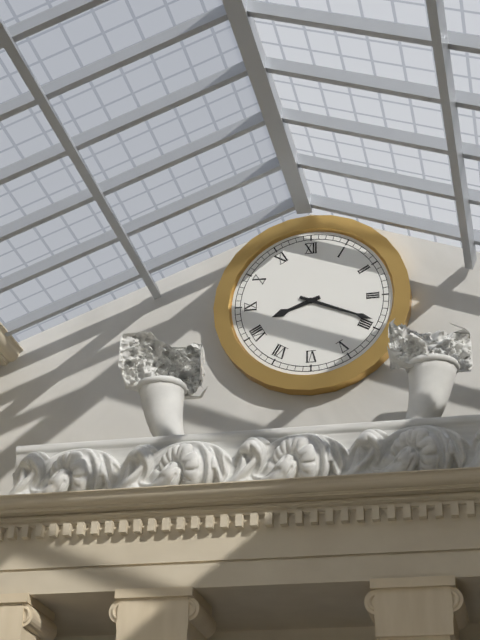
8:19
